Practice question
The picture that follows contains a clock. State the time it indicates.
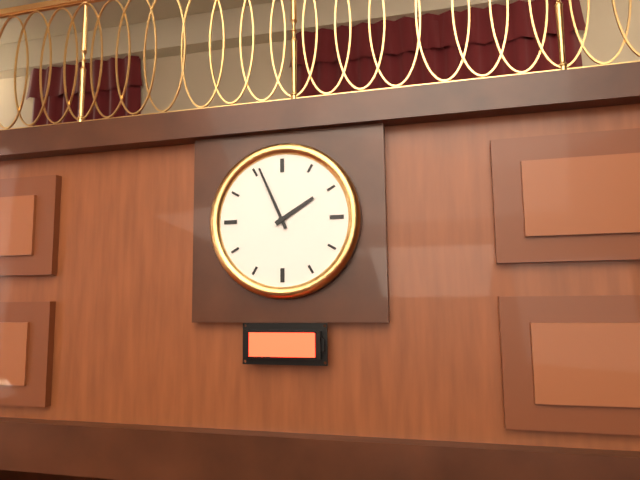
1:56
